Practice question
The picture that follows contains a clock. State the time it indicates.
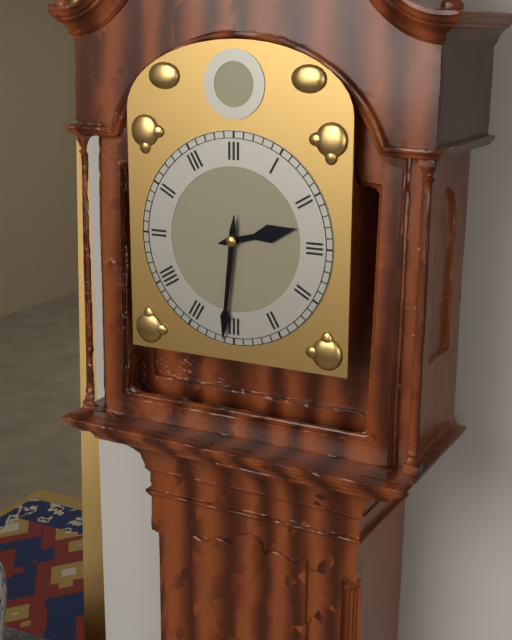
2:31
